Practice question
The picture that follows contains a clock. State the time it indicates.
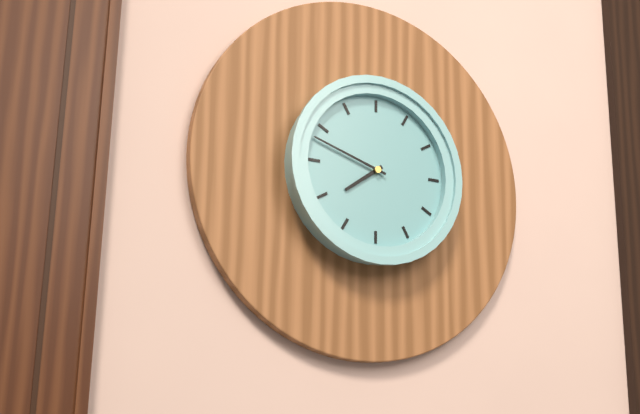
7:48
